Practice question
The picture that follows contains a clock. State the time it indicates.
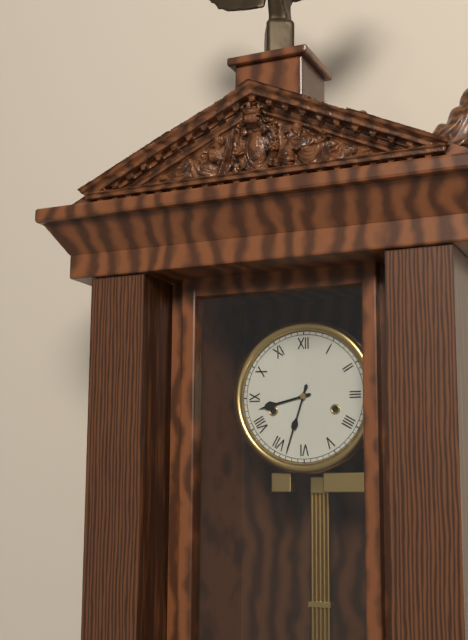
8:33
